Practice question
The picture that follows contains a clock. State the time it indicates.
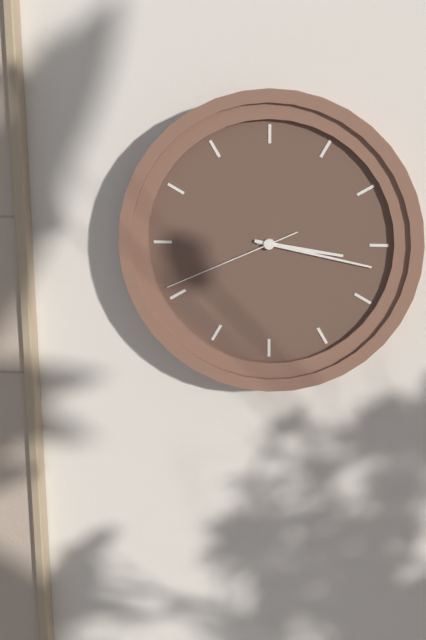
3:17:41
